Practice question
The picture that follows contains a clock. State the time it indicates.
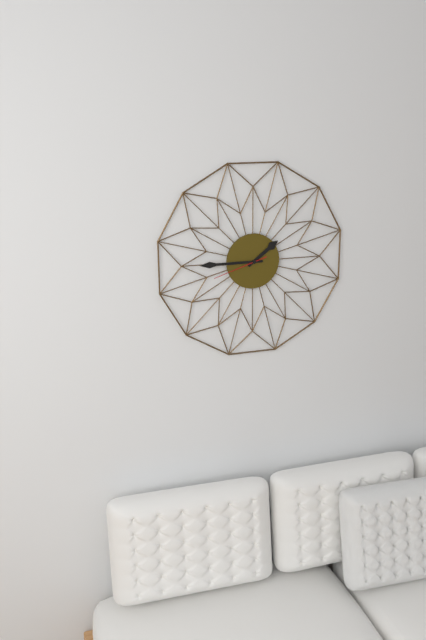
1:45:42
